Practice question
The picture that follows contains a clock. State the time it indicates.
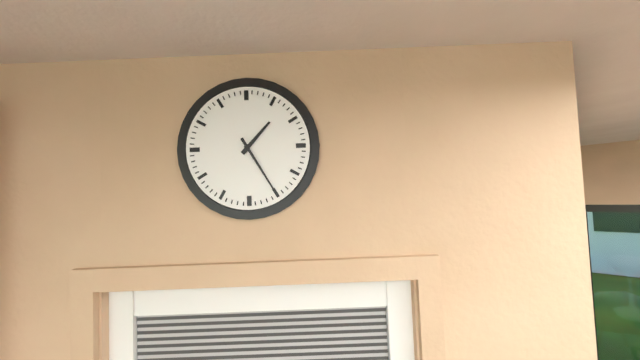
1:25
